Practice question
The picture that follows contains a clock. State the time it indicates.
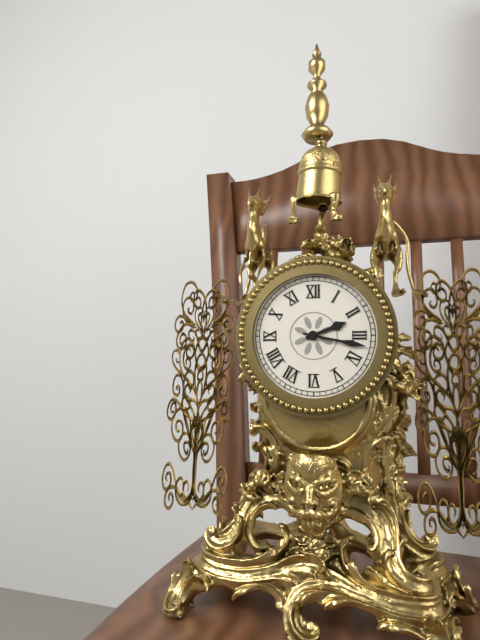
2:17
